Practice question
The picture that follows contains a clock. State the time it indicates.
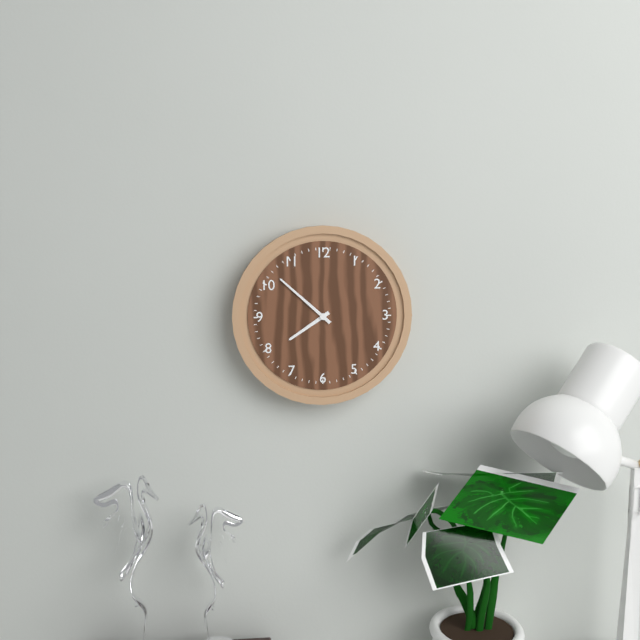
7:52
